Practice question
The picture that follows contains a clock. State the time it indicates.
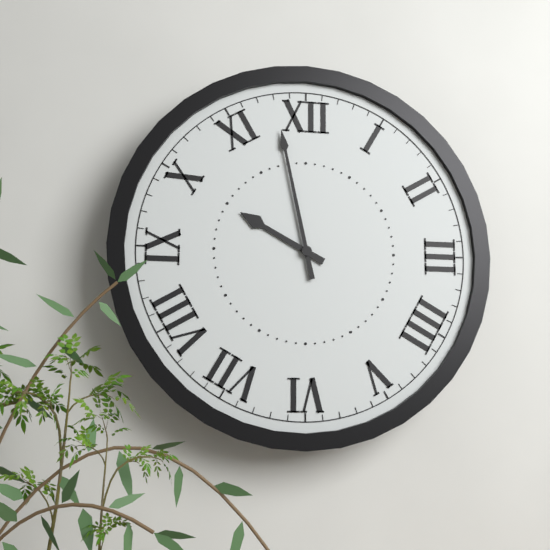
9:58
